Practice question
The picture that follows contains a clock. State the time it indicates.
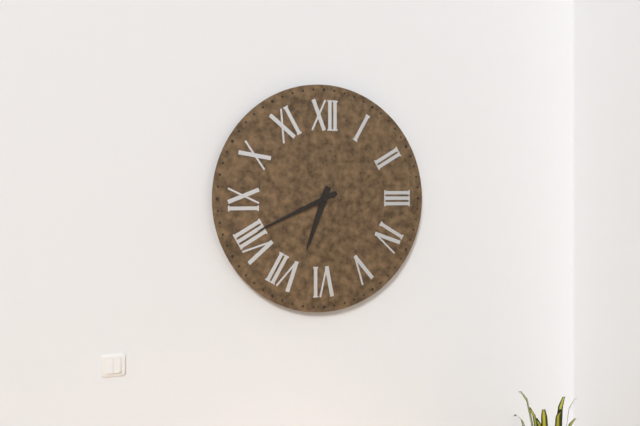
6:41
